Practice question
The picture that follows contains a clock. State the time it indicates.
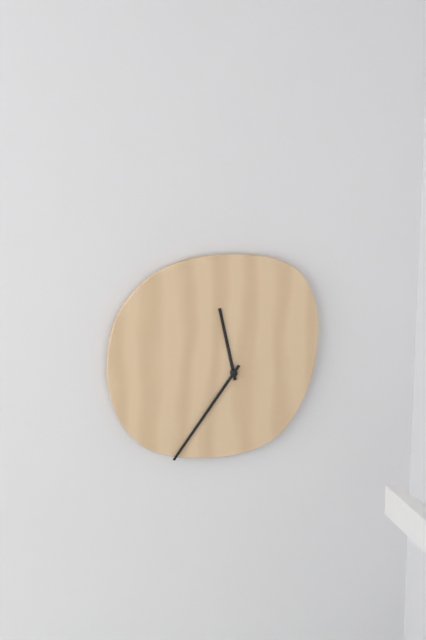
11:36
